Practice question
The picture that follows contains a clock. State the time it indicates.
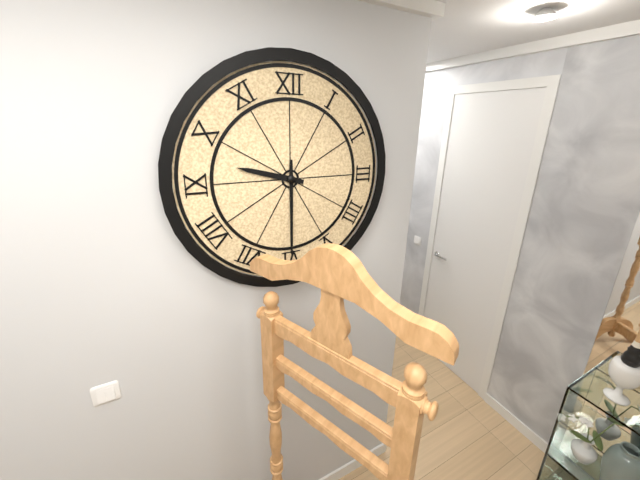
9:30
